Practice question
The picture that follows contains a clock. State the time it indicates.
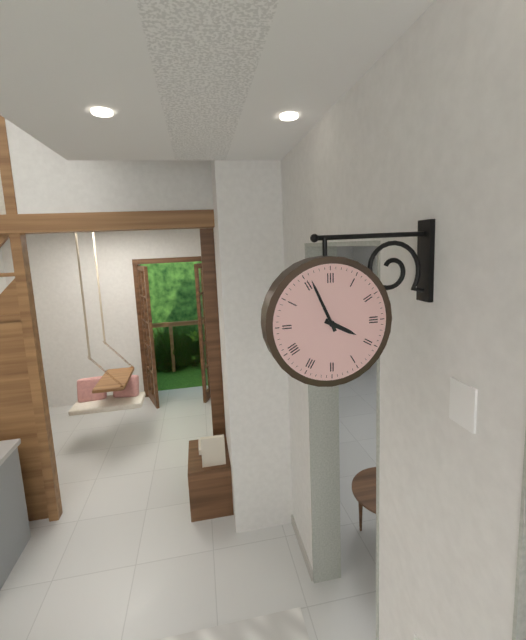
3:56
